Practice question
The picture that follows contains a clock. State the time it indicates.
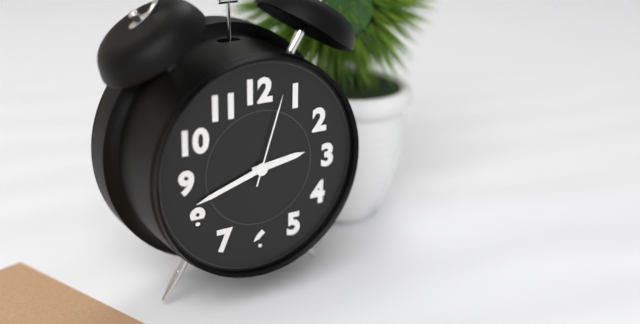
2:42:03
